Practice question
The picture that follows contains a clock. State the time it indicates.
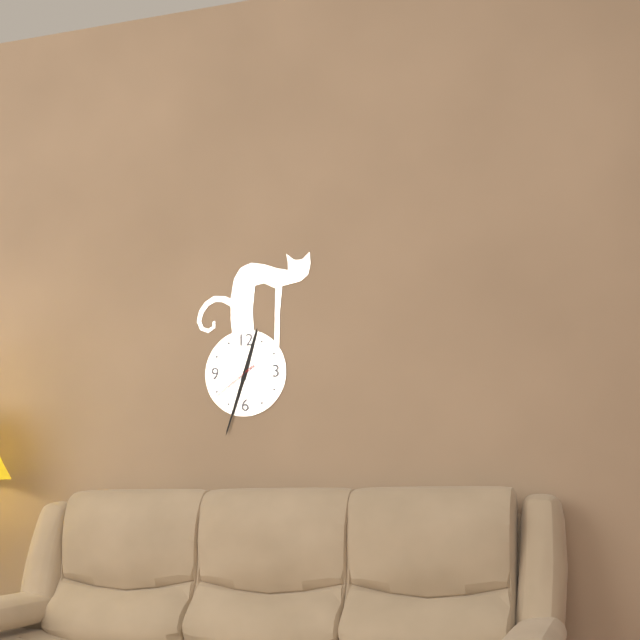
12:33:39
